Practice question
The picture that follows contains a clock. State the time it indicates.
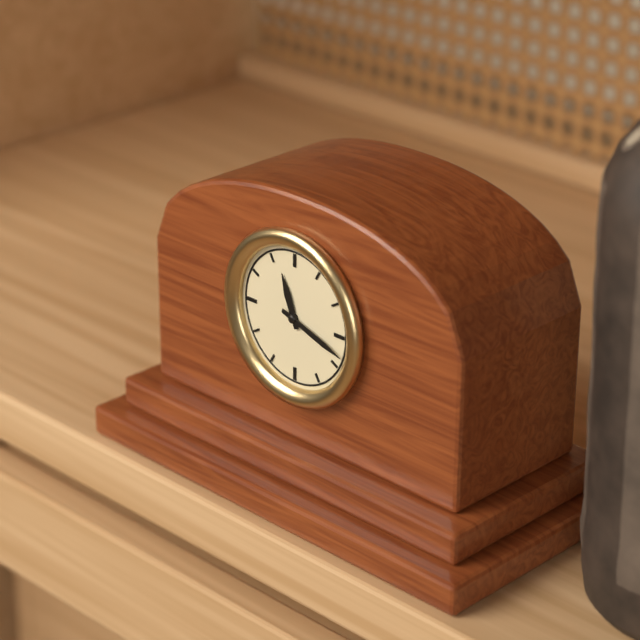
11:18
